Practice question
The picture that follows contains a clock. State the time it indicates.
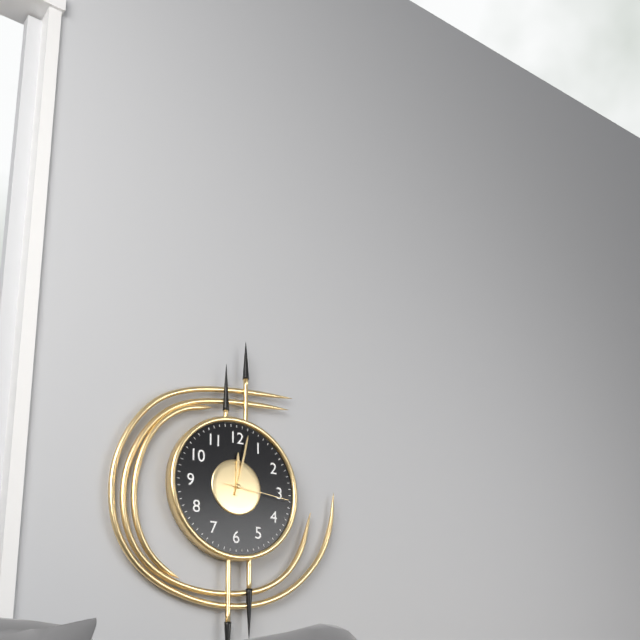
12:02:16
